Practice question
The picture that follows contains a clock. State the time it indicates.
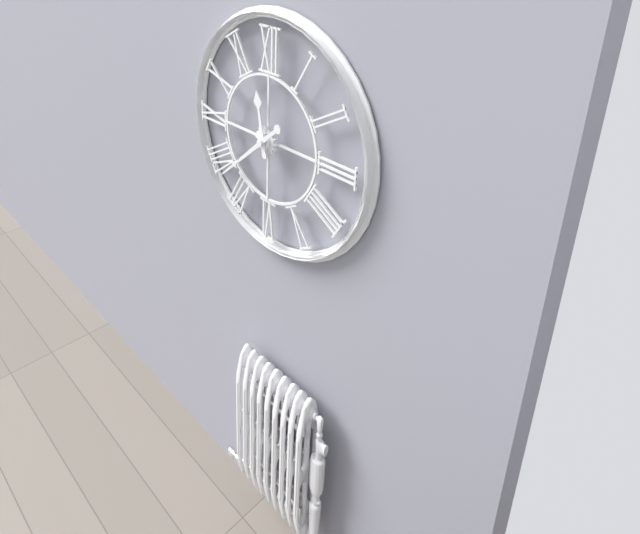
11:38
